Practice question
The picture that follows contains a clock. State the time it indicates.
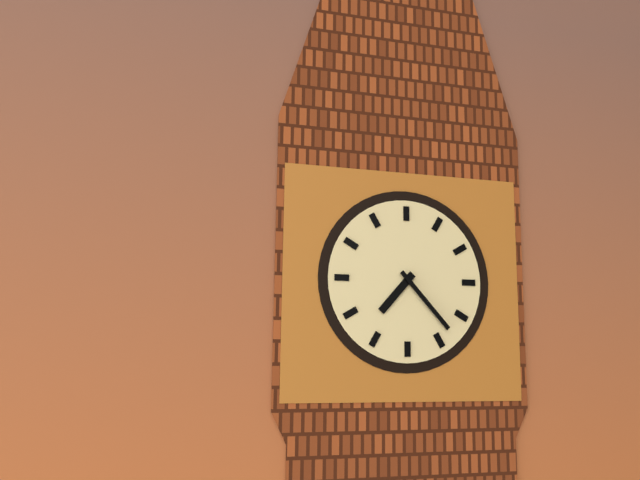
7:23
